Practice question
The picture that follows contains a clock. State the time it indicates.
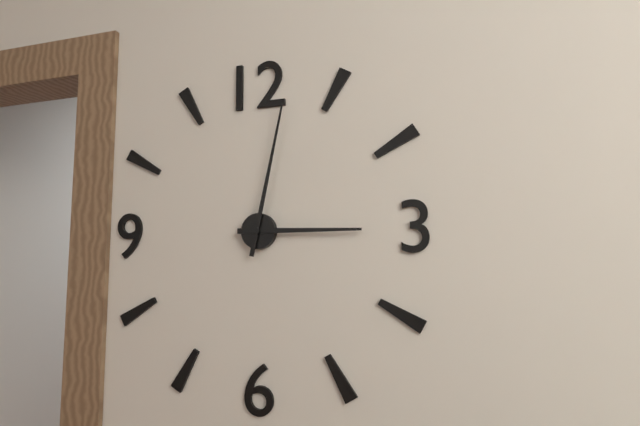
3:02
